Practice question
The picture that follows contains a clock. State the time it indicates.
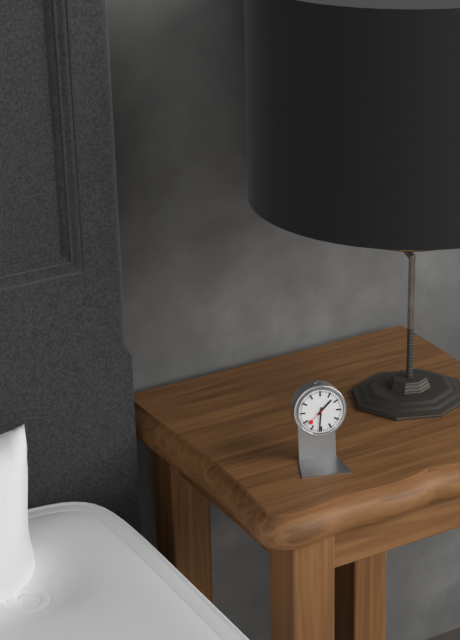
1:31
